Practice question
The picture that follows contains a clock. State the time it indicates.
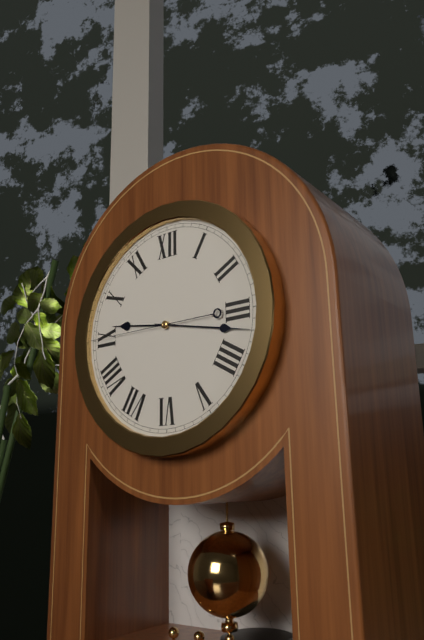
9:17:45
